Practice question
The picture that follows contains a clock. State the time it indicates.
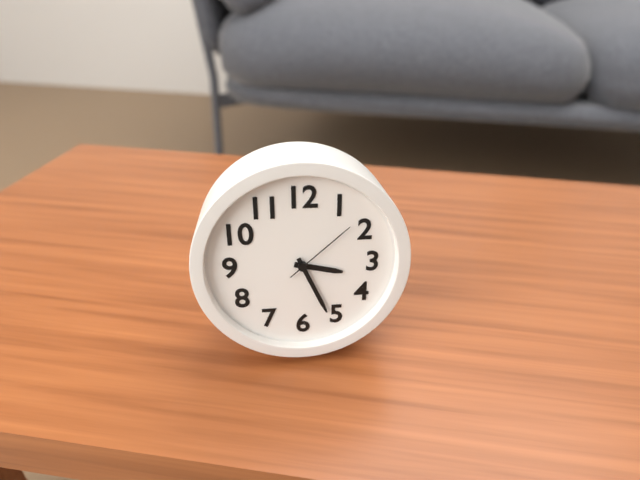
3:26:08
